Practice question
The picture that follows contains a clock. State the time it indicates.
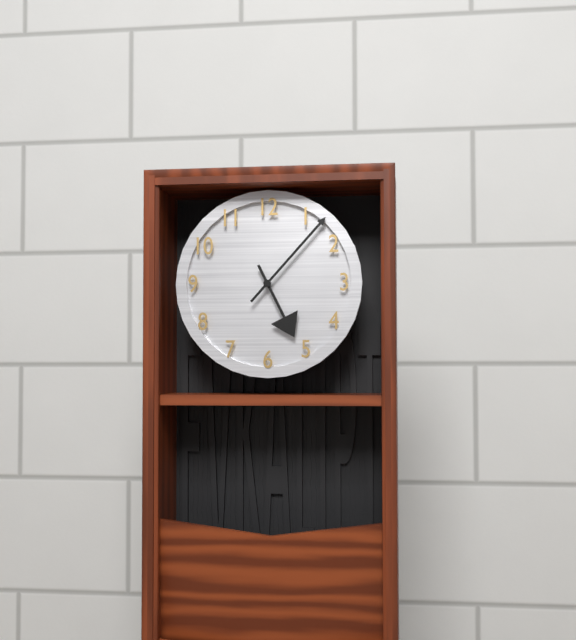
5:07
